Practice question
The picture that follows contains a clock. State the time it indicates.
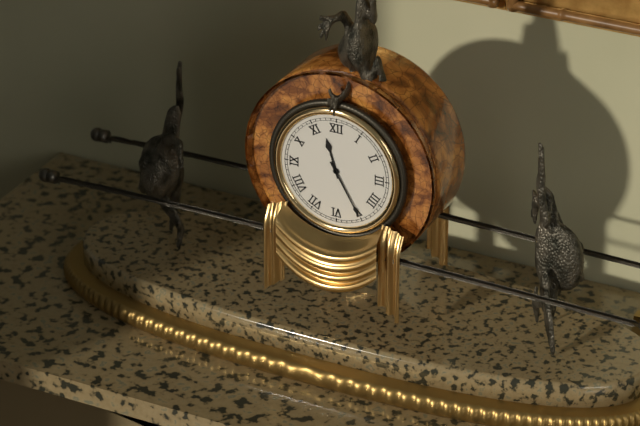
11:25
